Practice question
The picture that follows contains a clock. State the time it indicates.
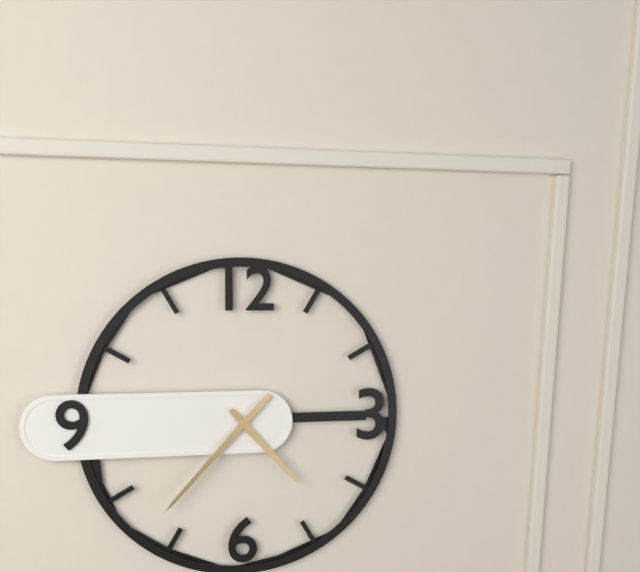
4:37
